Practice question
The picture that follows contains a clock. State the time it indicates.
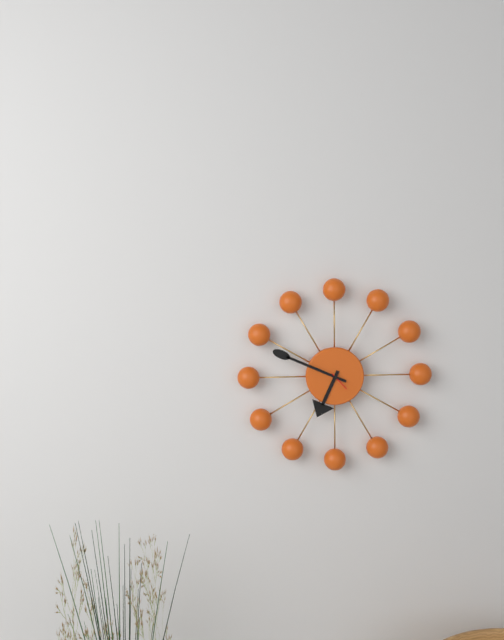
6:49
